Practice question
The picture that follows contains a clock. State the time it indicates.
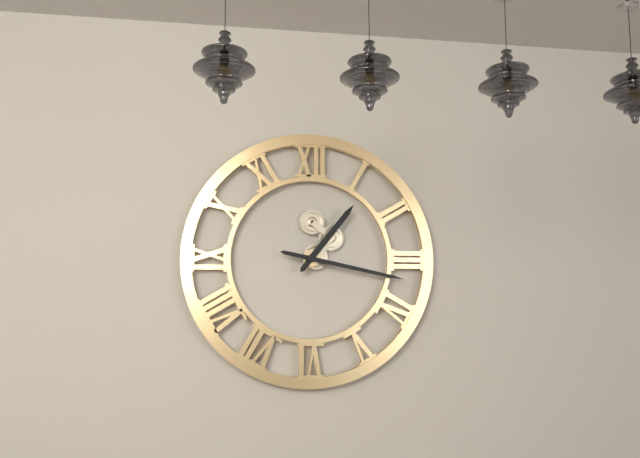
1:17
